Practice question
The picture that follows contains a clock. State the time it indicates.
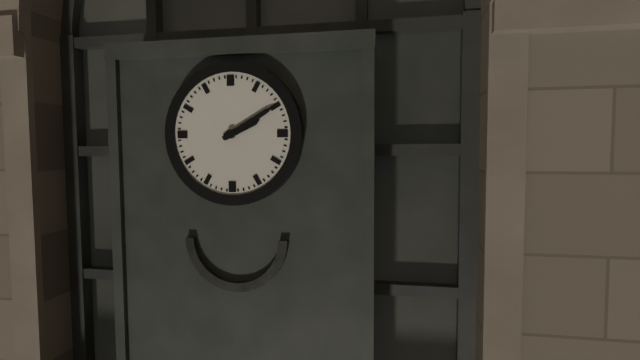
2:10
